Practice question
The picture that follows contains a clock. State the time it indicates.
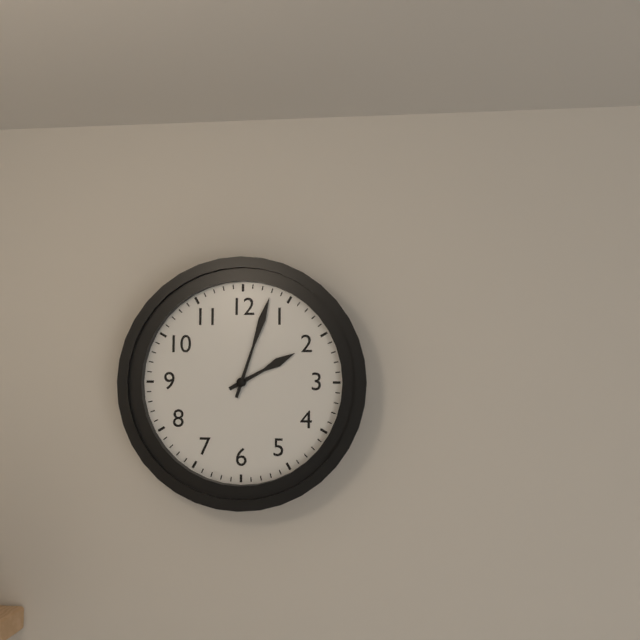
2:03
